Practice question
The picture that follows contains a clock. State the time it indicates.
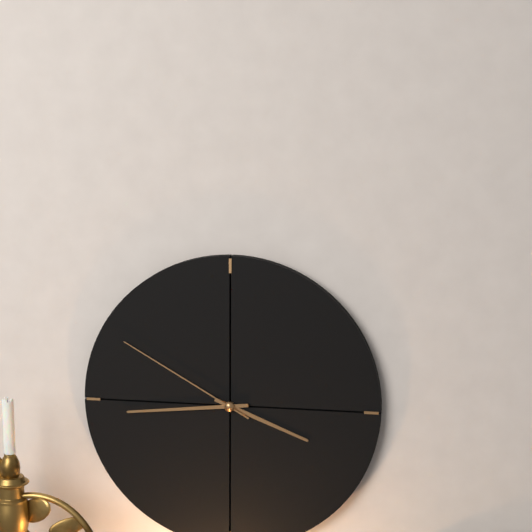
3:44:50
